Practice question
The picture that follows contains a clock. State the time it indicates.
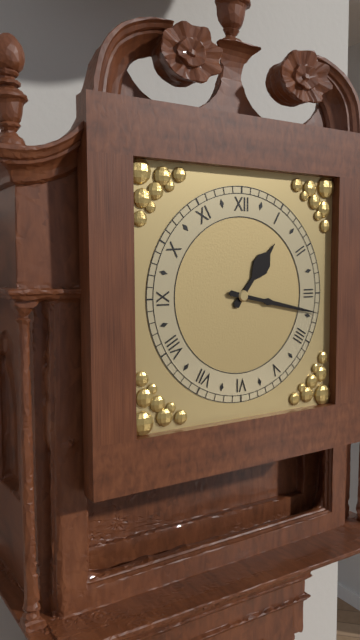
1:17
